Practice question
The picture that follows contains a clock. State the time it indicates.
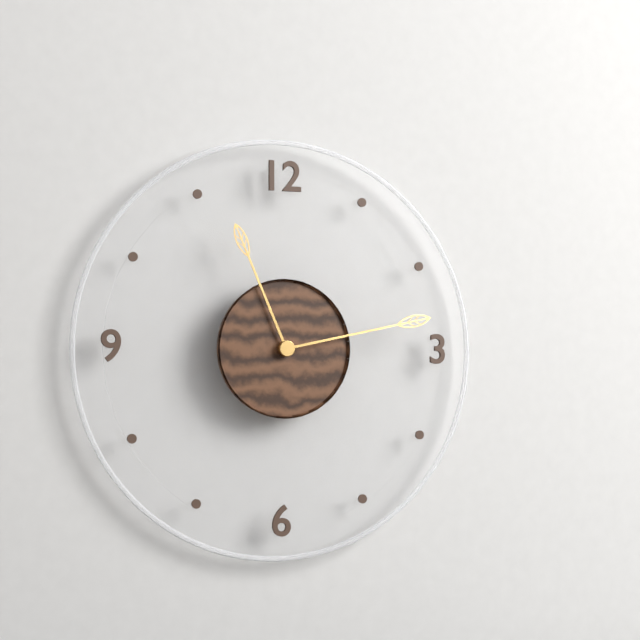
11:13
